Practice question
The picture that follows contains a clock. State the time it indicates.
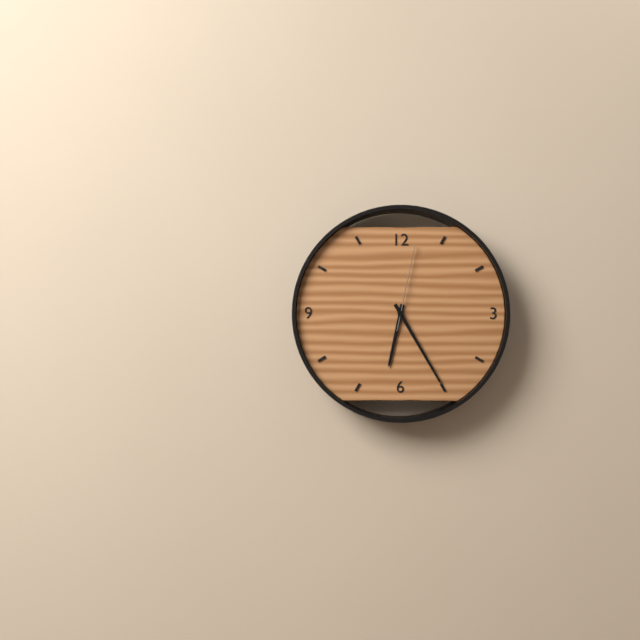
6:25:02
